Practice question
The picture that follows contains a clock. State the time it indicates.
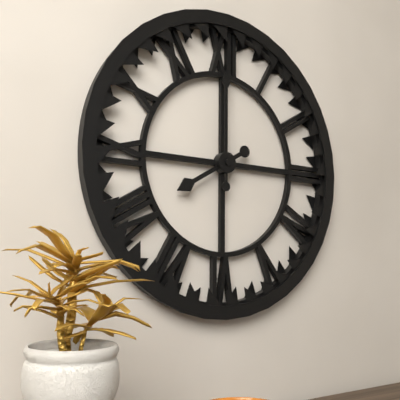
8:00
